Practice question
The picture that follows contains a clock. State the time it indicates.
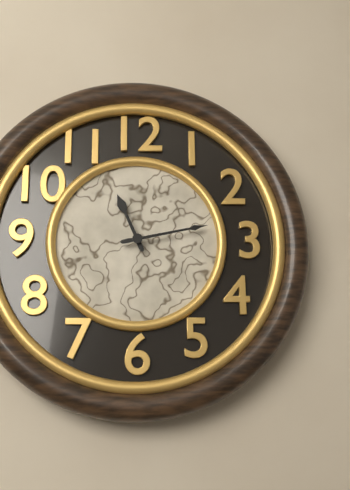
11:13
